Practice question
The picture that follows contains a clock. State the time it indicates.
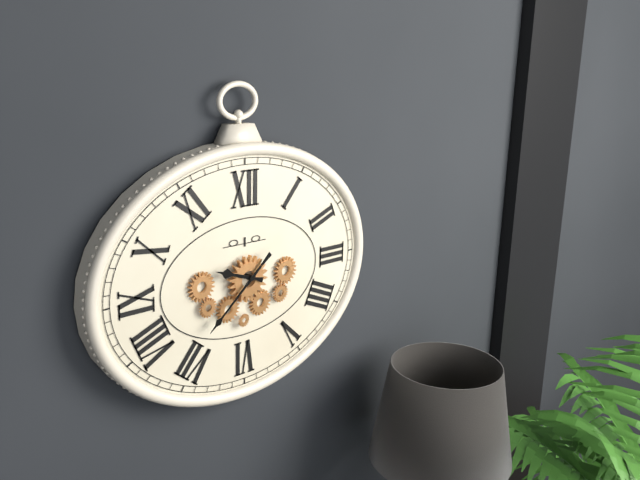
9:38
